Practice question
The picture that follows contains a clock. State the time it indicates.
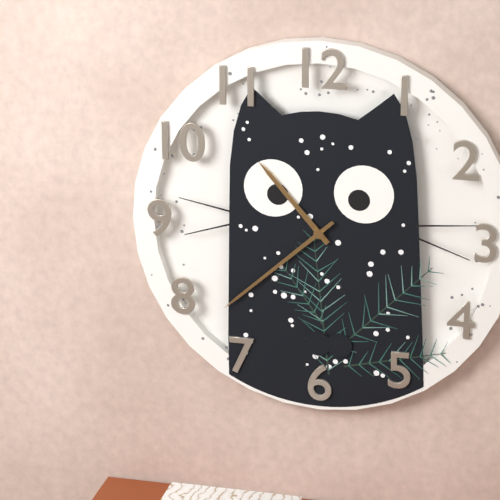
10:38
